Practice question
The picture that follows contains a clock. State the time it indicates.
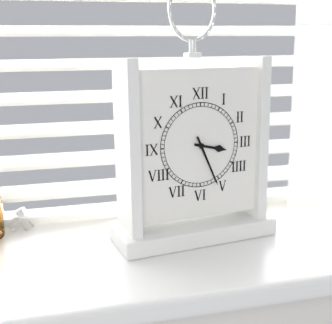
3:26
